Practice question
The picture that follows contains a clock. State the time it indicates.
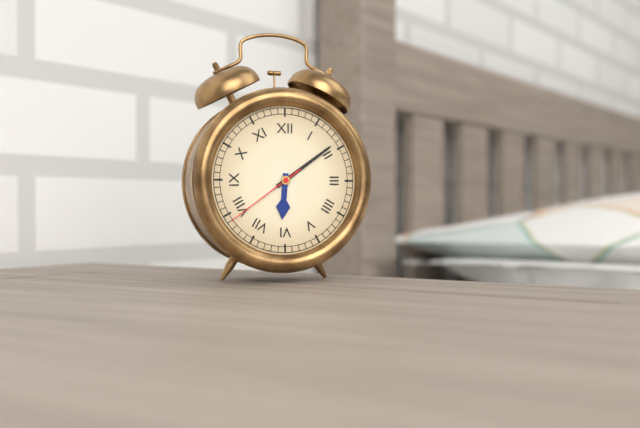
6:09:39
